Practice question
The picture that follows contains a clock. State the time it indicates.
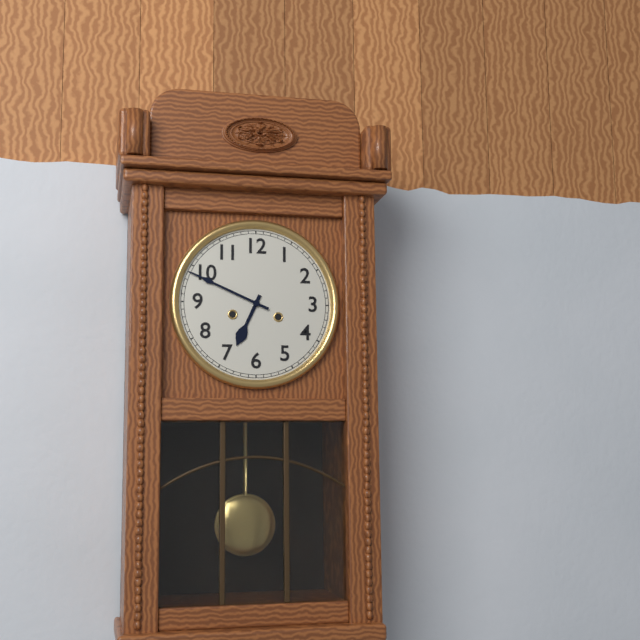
6:49
